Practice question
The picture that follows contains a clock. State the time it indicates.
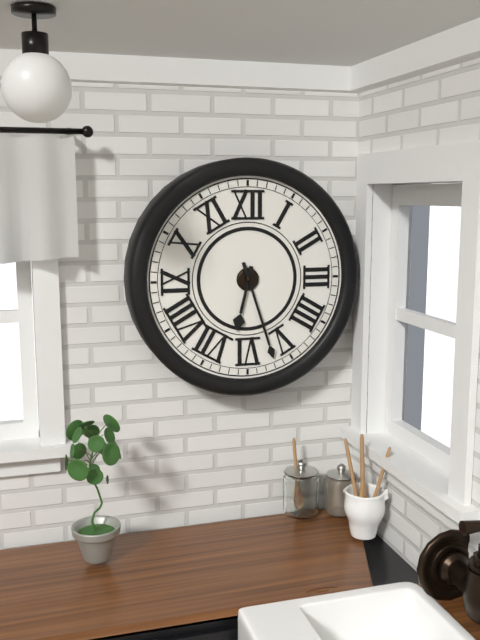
6:27
